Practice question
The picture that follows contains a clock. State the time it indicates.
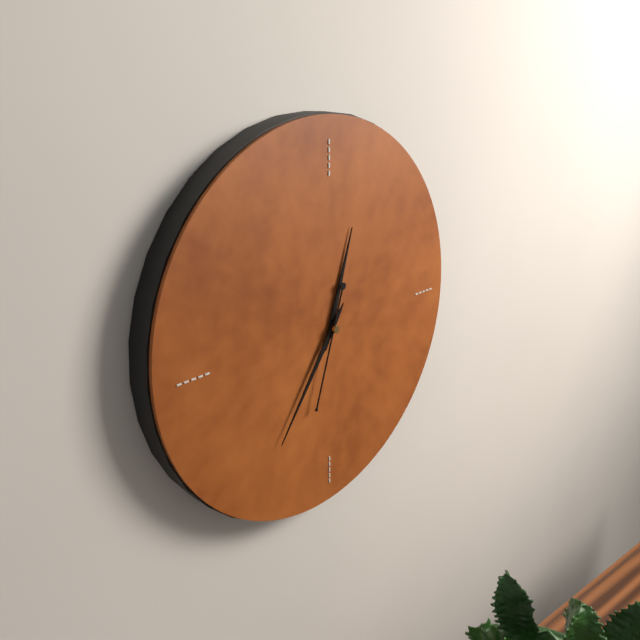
12:36:33
